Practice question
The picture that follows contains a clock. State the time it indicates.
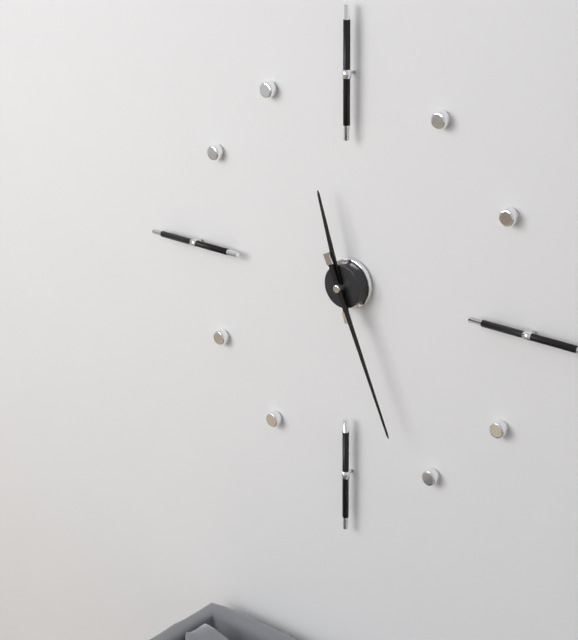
11:26
